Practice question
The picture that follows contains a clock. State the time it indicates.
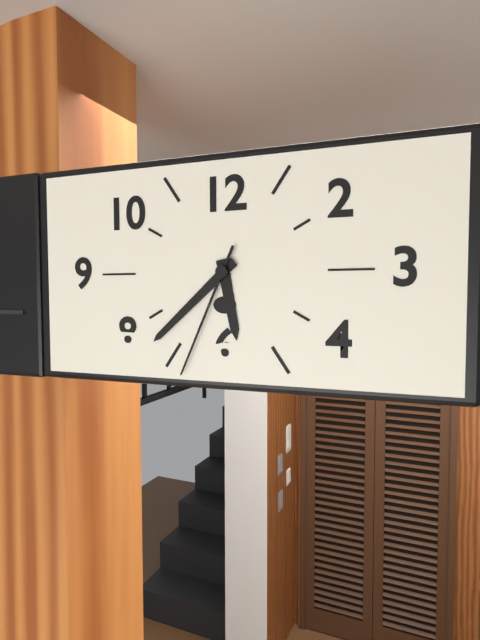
5:38:34
